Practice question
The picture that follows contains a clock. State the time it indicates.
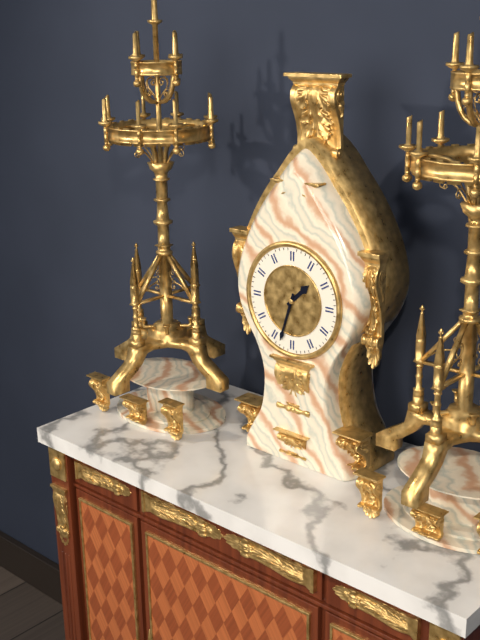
1:33
